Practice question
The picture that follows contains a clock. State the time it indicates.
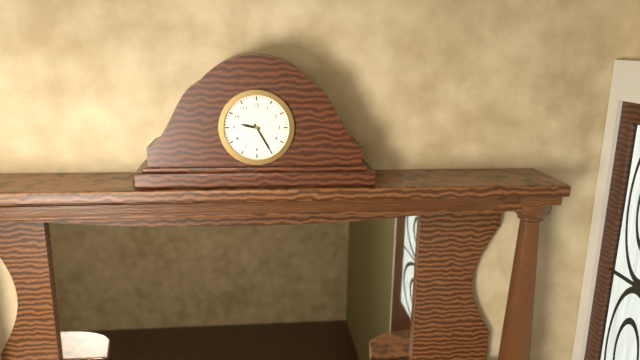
9:25
